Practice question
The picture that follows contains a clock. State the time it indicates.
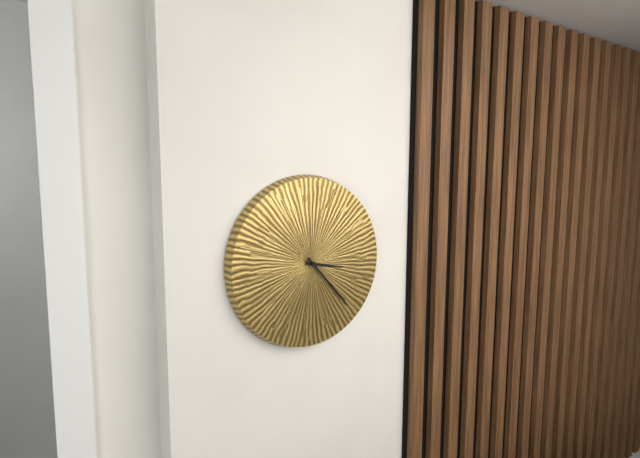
3:23
